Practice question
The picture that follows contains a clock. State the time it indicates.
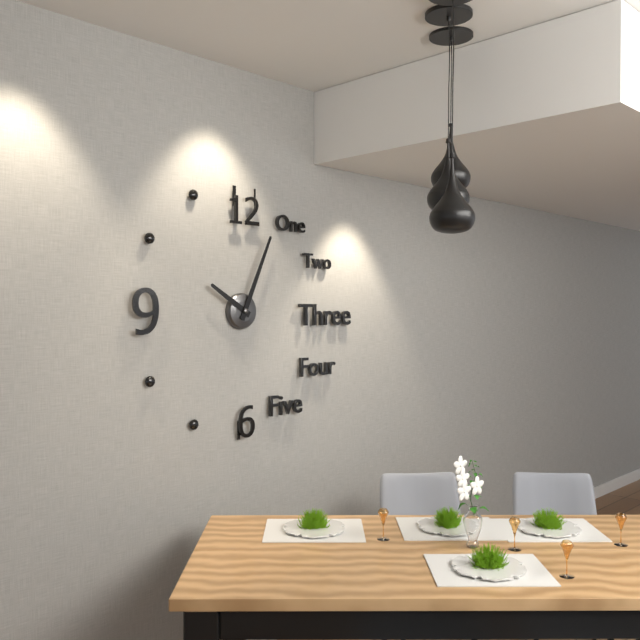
10:04
